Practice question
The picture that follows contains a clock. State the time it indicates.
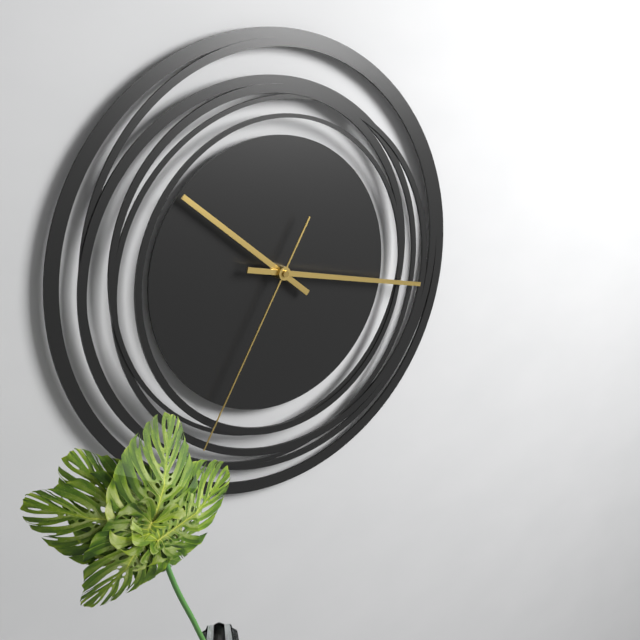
10:17:35
